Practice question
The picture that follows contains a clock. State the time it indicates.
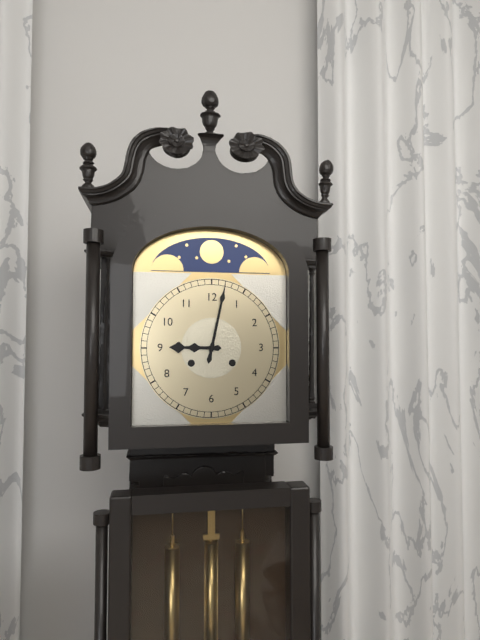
9:02
